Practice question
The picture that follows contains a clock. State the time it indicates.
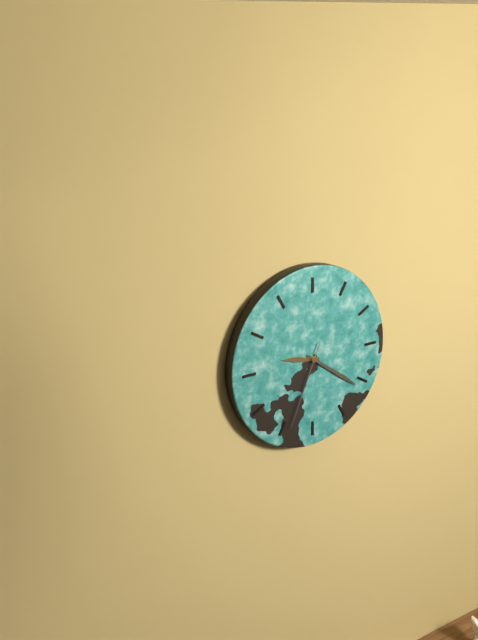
9:21:34
